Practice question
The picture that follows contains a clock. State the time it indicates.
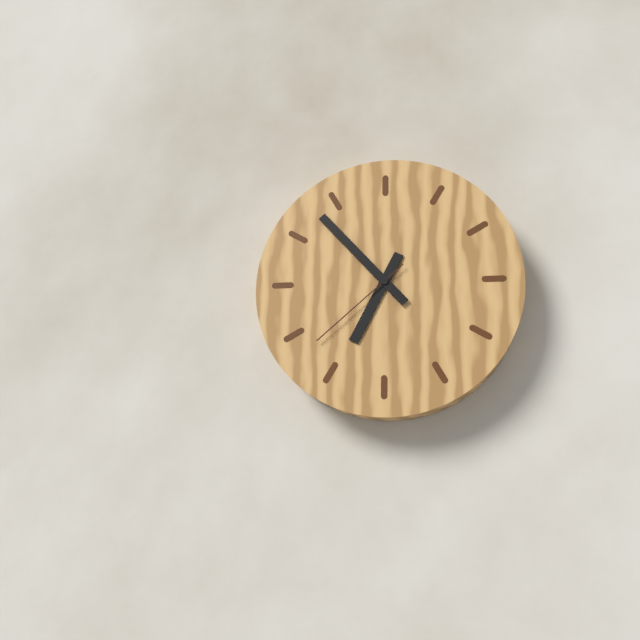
6:53:38
